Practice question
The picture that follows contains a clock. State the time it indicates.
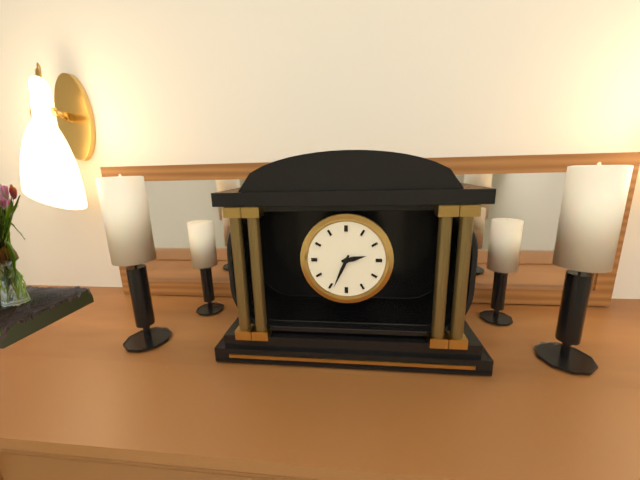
2:34
